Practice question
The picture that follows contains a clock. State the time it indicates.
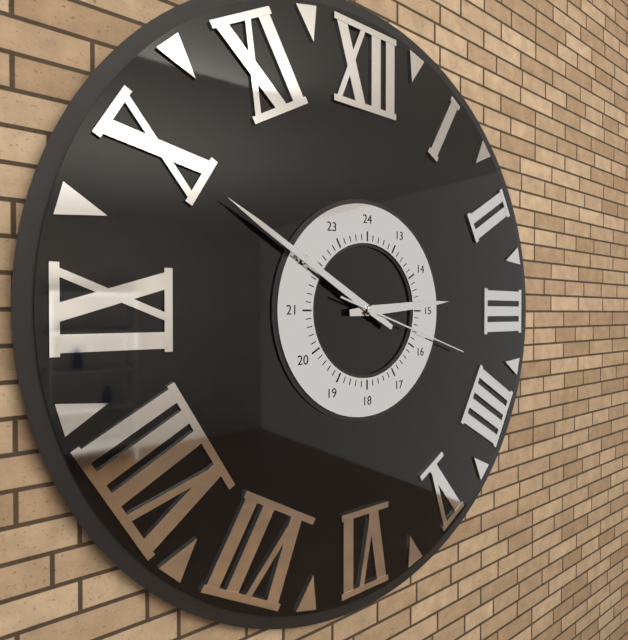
2:50:18
